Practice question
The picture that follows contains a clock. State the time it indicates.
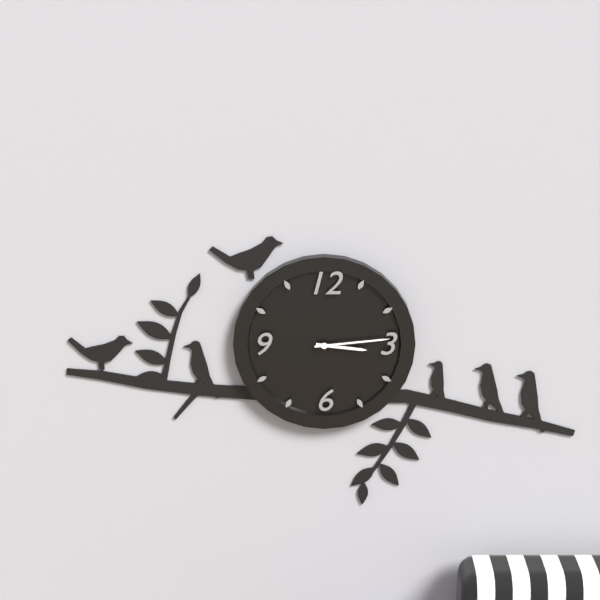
3:14
